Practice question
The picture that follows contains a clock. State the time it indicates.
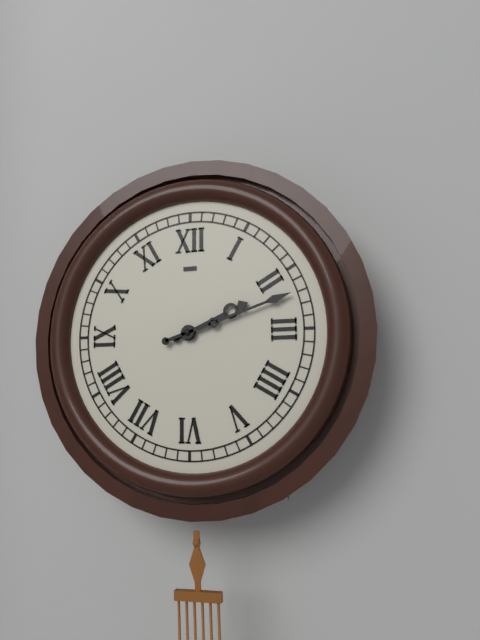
2:12
